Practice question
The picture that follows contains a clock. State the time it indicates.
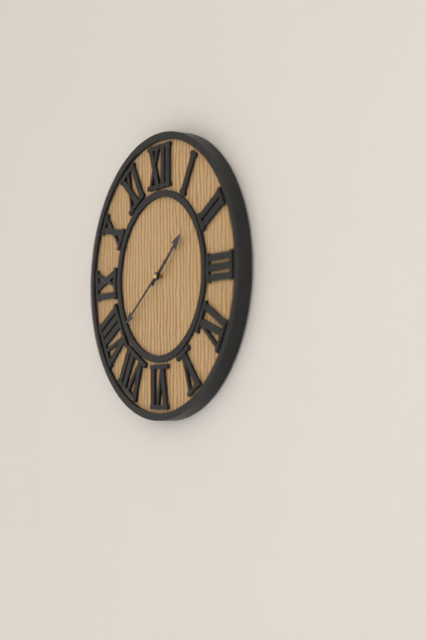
1:39
